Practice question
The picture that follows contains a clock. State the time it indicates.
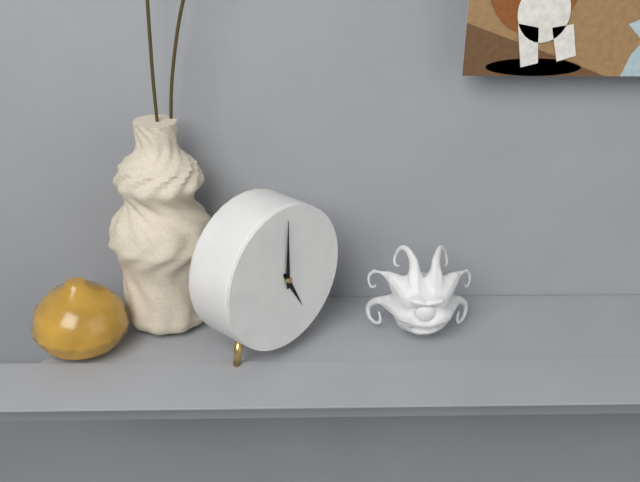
5:00
